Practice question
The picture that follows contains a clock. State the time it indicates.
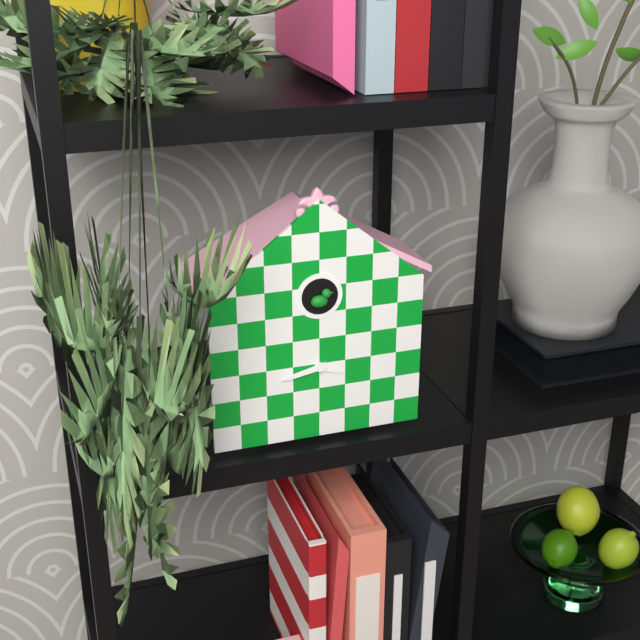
3:43
